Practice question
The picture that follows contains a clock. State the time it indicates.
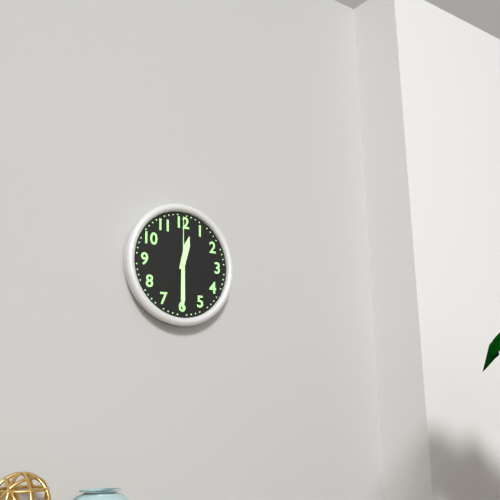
12:30:00
